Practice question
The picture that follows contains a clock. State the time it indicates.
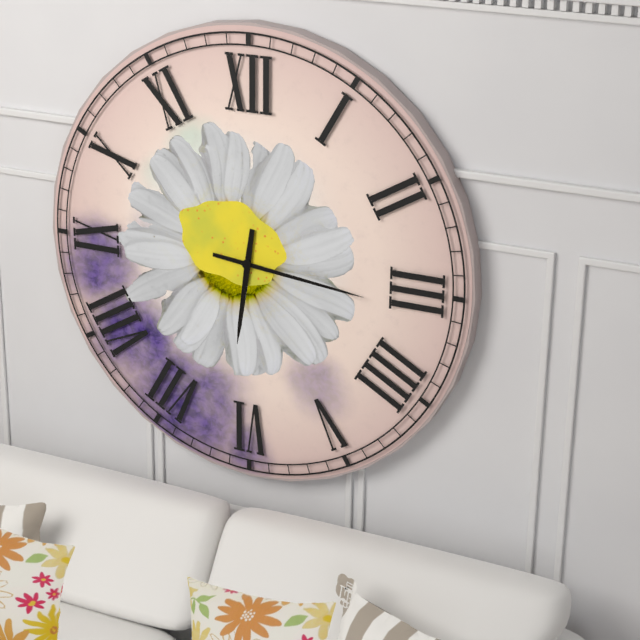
6:16
